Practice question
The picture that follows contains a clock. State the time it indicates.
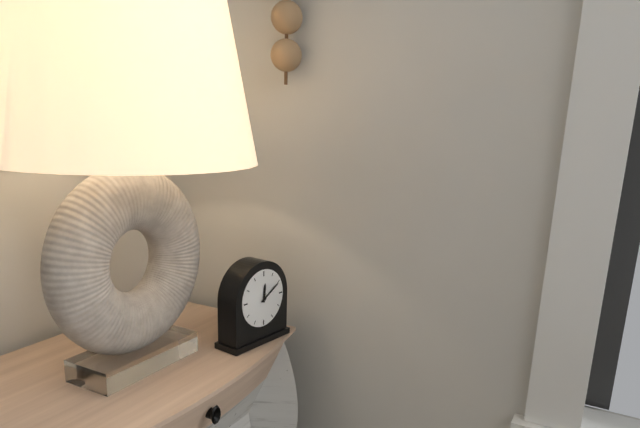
12:10
